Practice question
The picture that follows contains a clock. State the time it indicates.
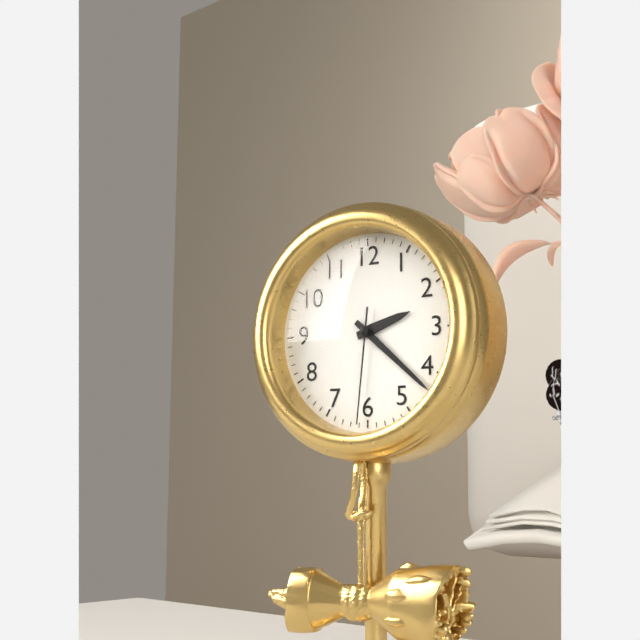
2:22:31
